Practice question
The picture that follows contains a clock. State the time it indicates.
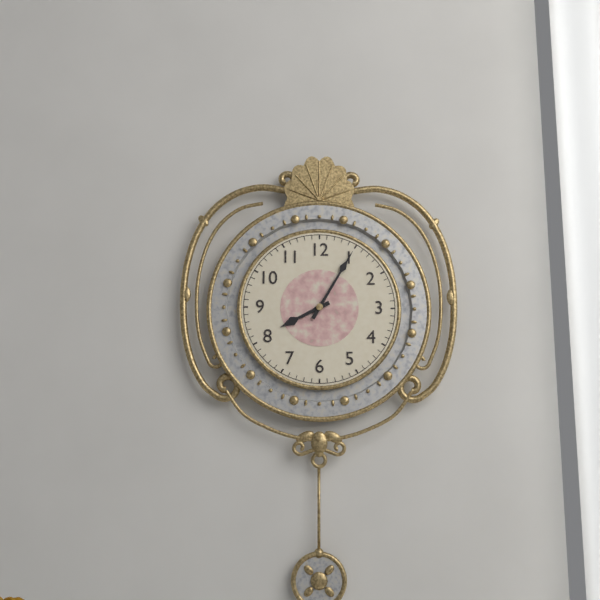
8:05
